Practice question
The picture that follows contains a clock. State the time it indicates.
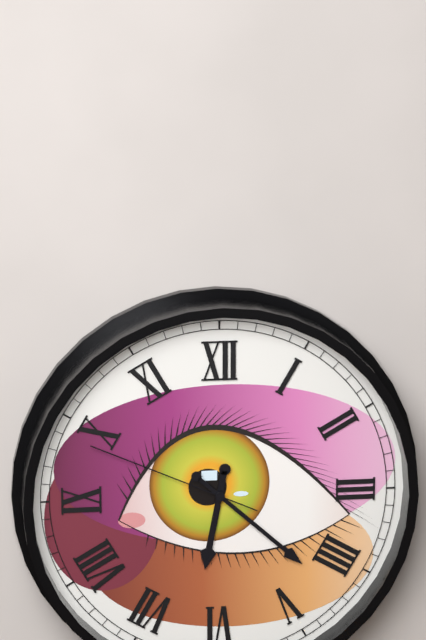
6:22:49
